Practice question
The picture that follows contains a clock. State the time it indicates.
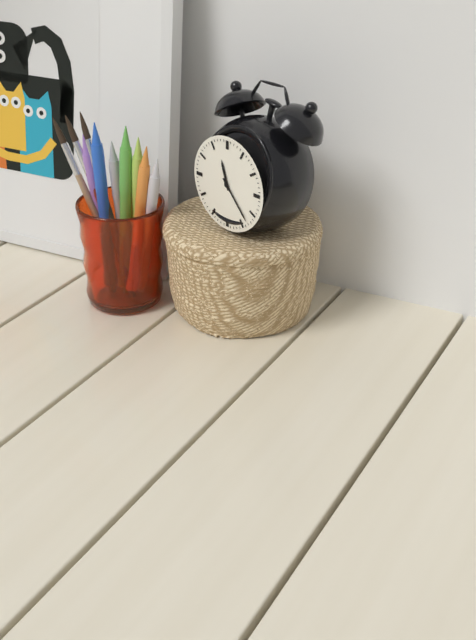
11:23
